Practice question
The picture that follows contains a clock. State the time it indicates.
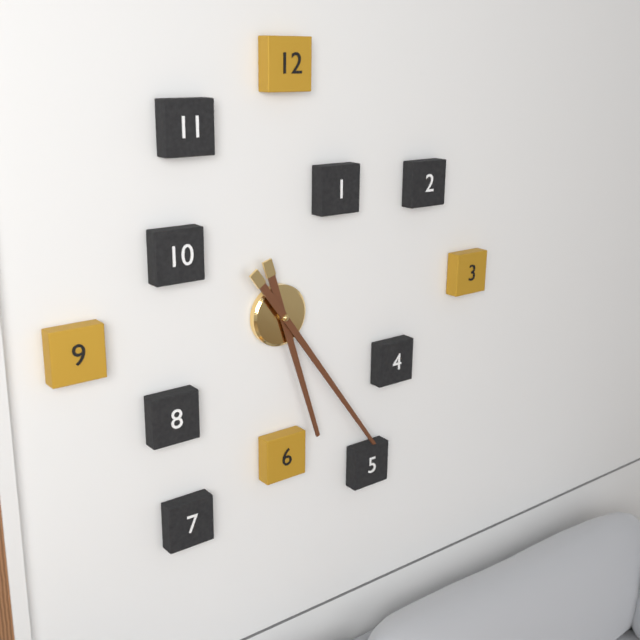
5:24
